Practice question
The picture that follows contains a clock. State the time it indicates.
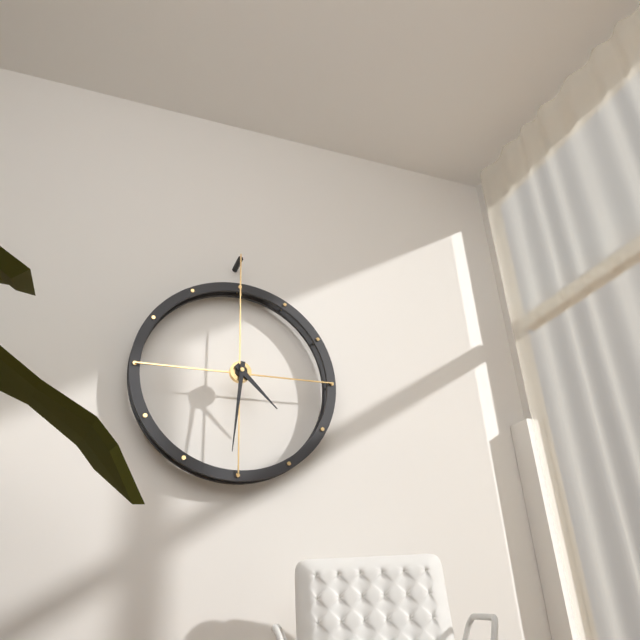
4:31
